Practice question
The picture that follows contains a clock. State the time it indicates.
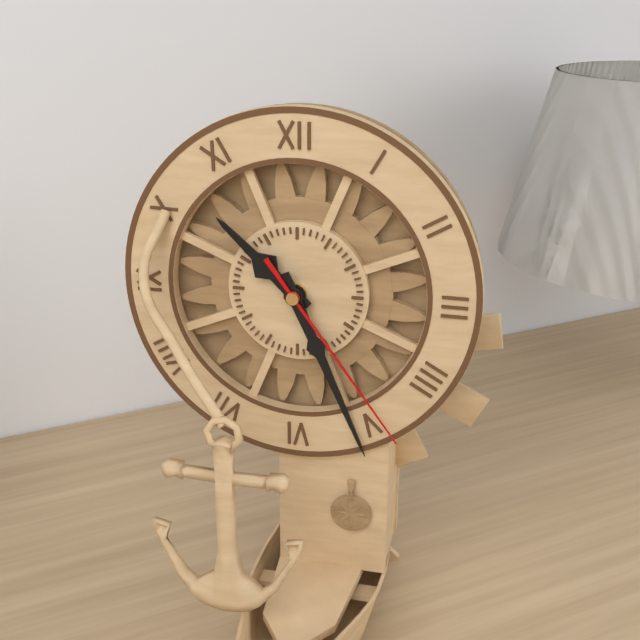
10:26:24
